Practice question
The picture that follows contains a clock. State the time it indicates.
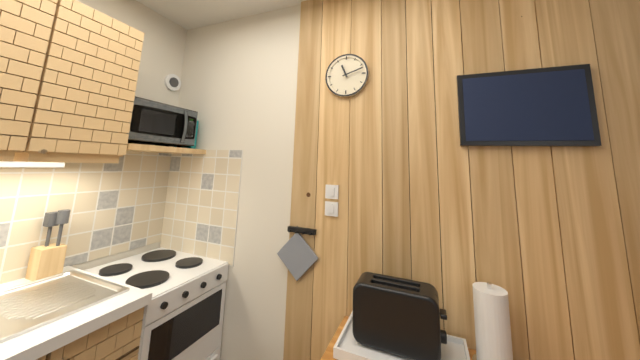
11:12
